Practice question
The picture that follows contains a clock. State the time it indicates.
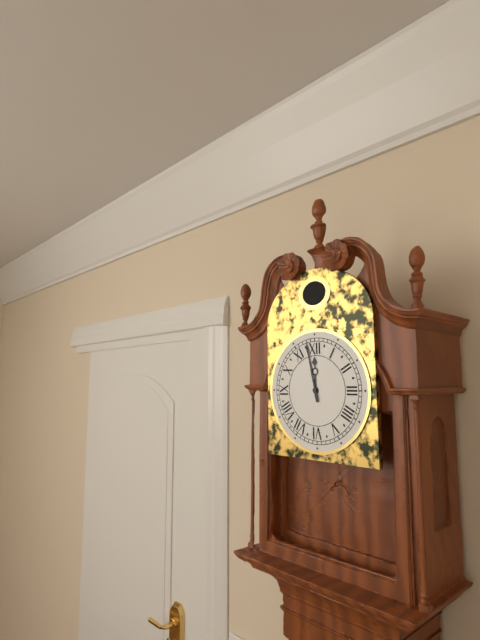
11:58
